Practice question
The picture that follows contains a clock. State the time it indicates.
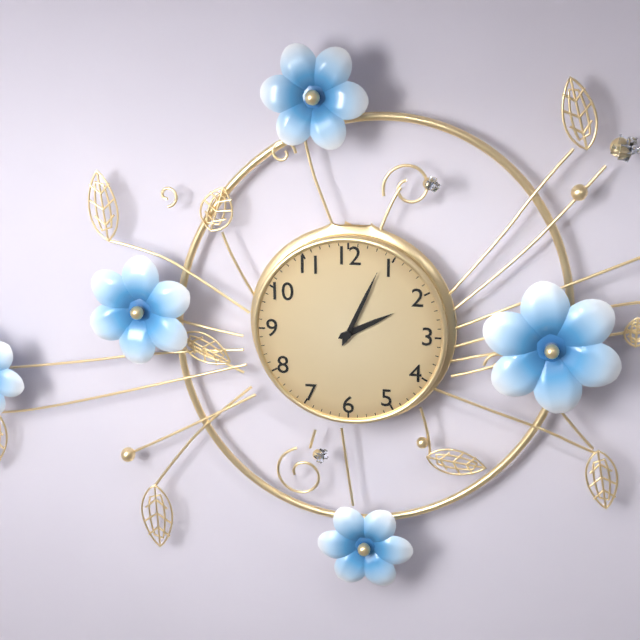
2:04
